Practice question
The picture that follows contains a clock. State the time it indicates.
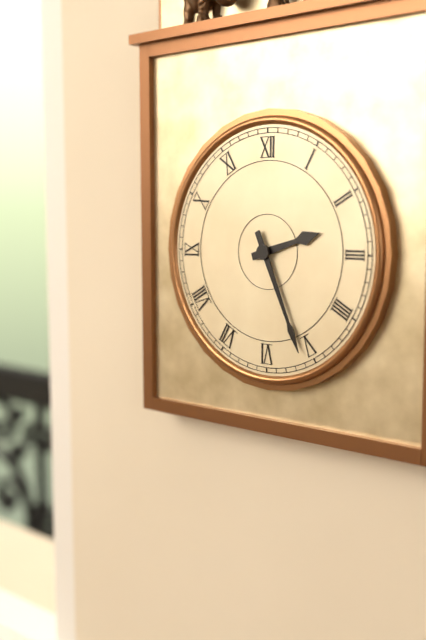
2:26
